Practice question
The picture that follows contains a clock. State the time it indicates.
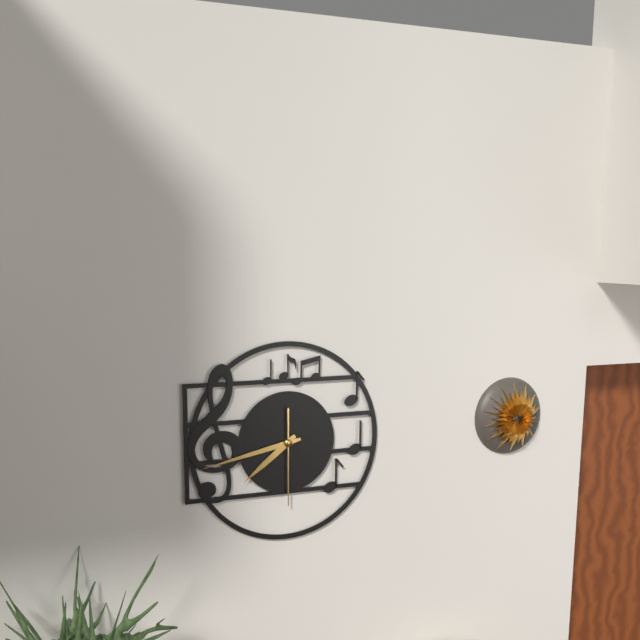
7:43:30
